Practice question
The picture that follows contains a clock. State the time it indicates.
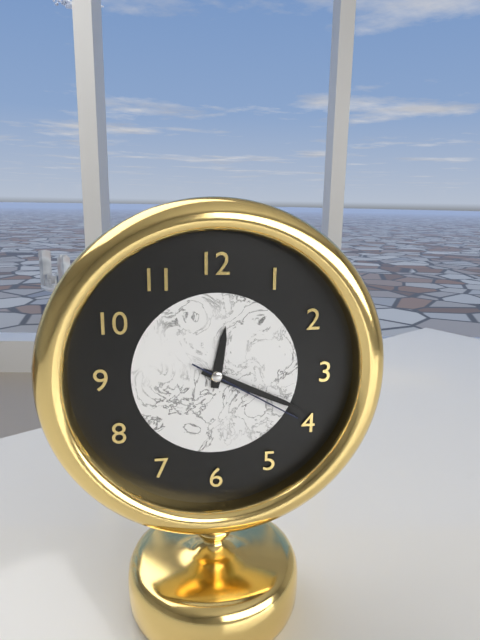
12:19:20
